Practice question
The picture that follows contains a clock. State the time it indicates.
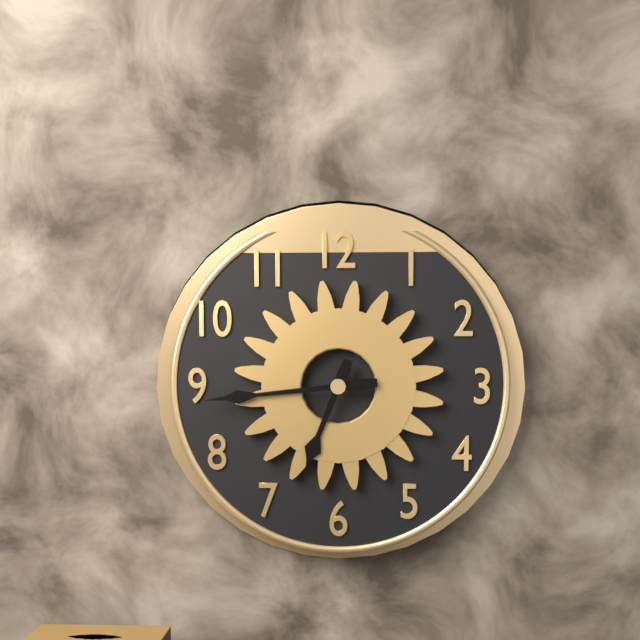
6:44
